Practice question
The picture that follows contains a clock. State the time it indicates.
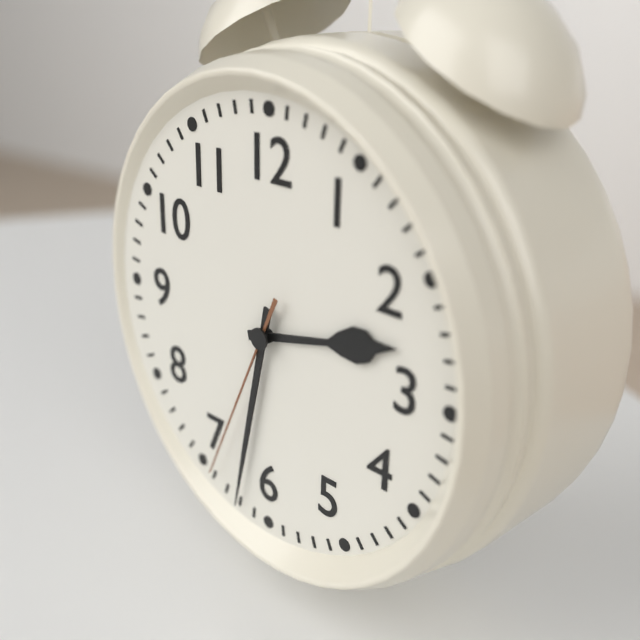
2:32:34
